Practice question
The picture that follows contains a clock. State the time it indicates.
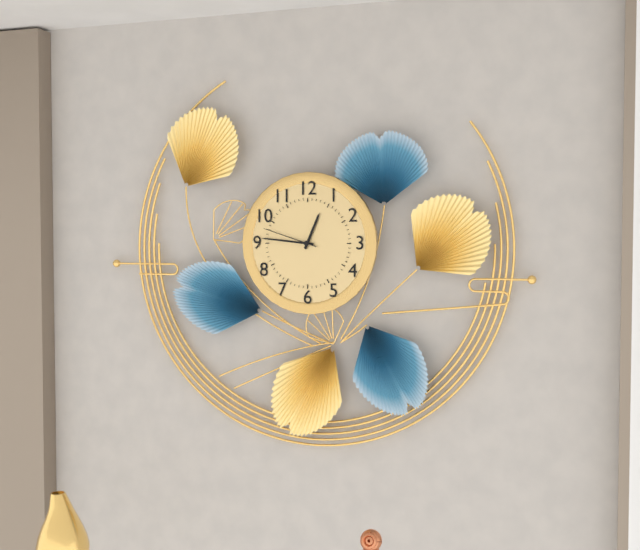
12:46:48
